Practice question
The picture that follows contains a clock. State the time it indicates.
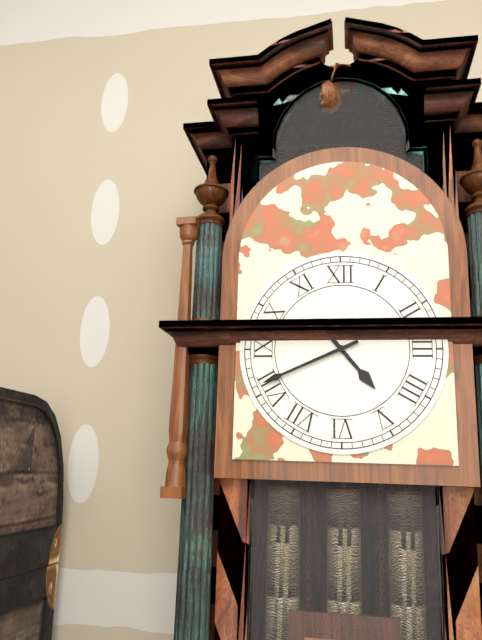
4:41
